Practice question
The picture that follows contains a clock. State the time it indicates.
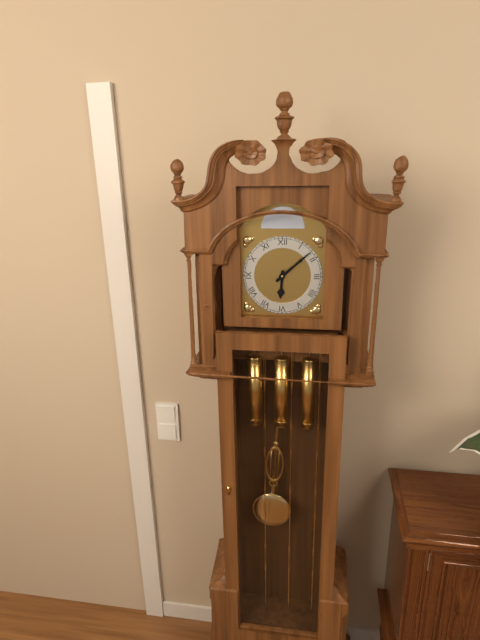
6:08
